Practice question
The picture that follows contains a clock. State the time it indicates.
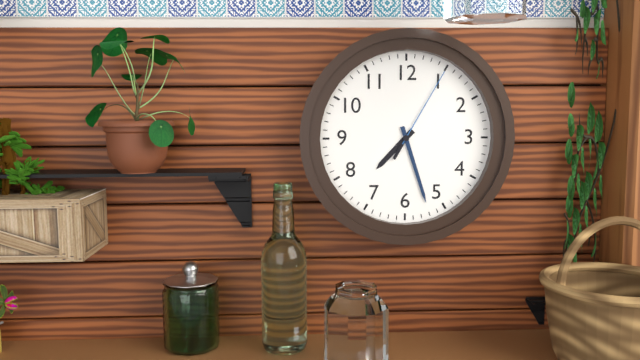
7:27:05
